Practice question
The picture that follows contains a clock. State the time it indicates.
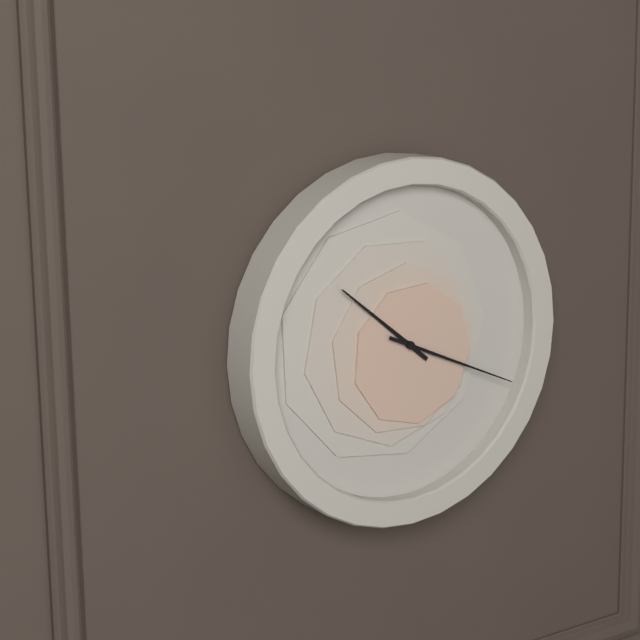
10:19
